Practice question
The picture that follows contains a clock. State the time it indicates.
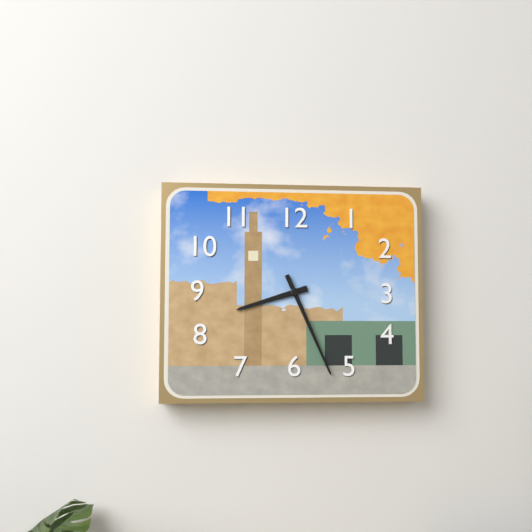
8:26
